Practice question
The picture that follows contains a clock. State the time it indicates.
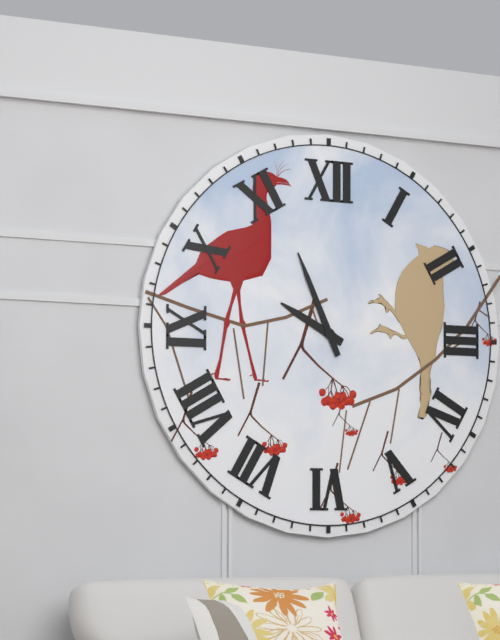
9:56
